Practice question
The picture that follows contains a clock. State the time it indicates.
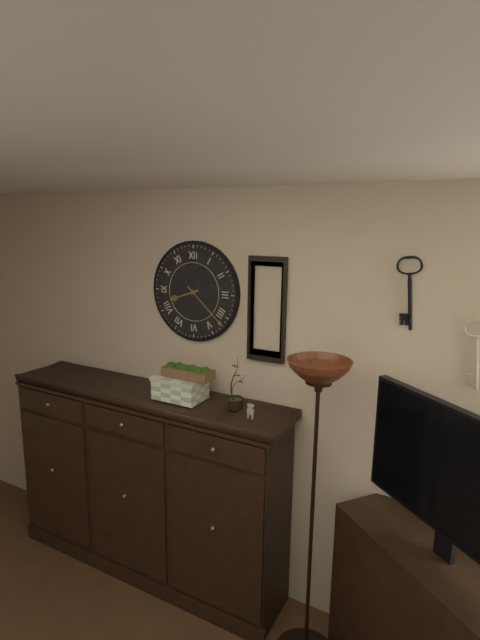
8:22
